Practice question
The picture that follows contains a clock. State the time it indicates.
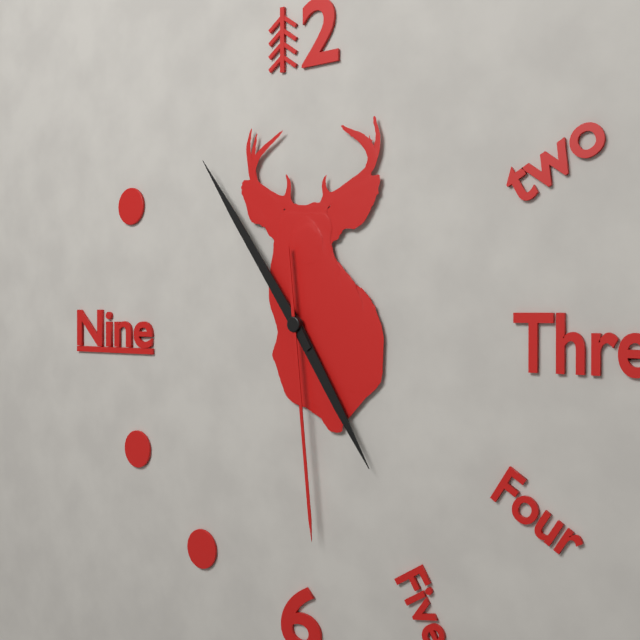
4:54:29
